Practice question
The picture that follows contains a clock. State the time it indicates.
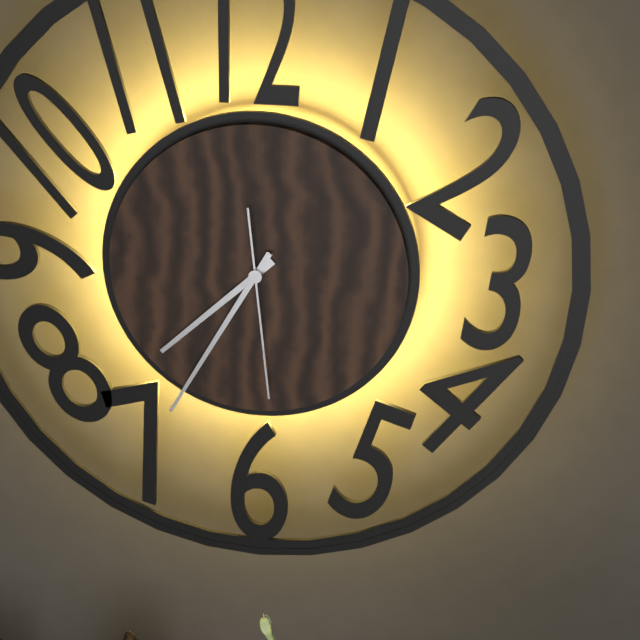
7:35:29
